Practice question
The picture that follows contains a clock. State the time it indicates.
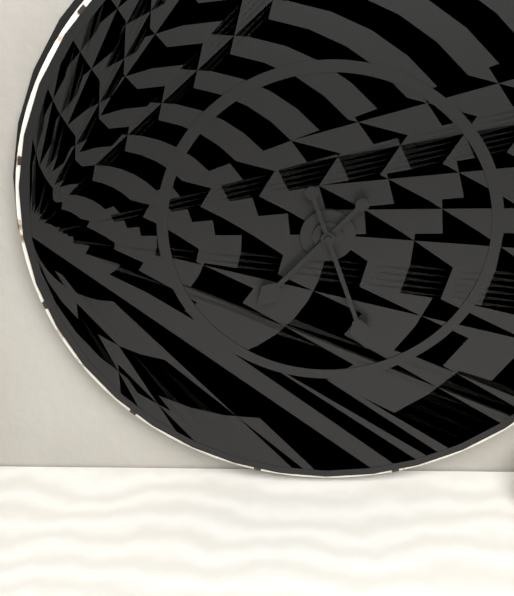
7:27
